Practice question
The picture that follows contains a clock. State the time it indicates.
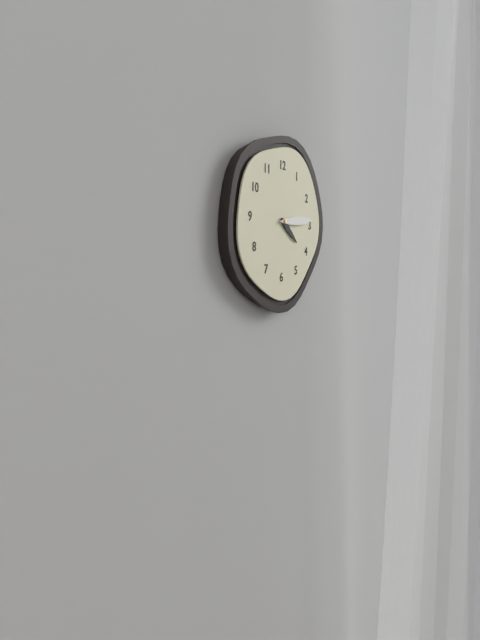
4:14
